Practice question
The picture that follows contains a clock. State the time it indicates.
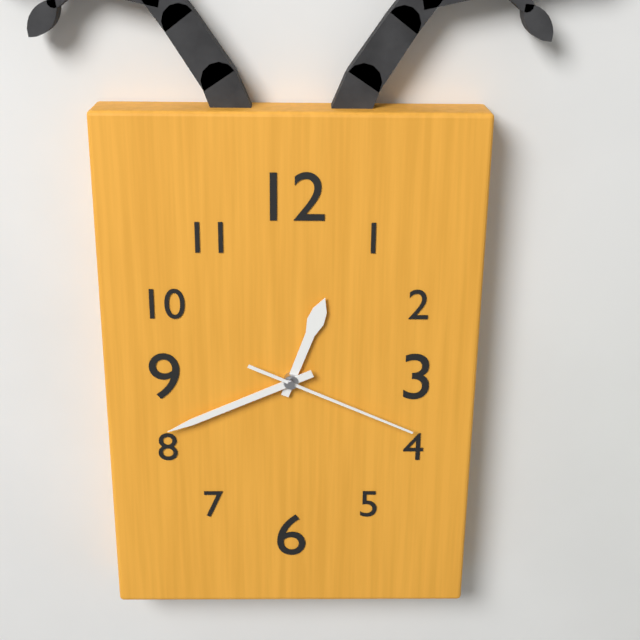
12:41:19
